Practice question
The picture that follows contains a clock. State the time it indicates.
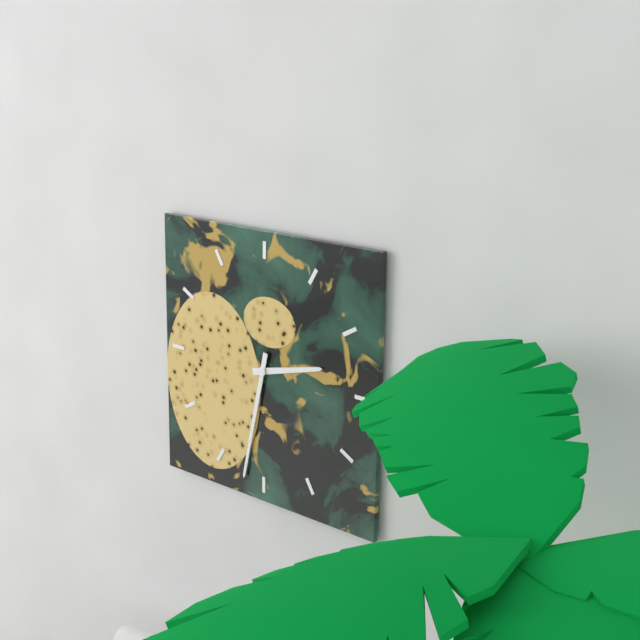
2:32
